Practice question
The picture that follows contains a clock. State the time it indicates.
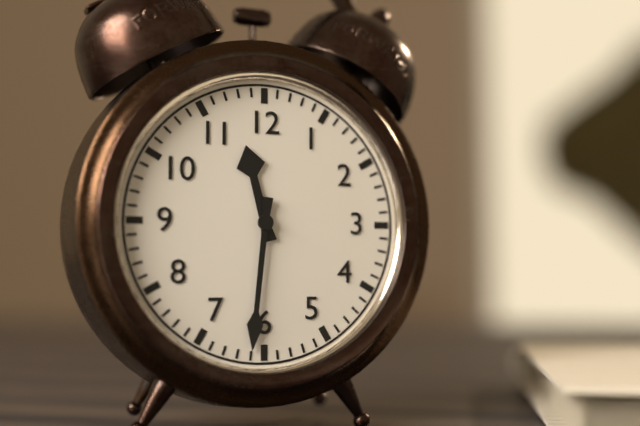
11:31
